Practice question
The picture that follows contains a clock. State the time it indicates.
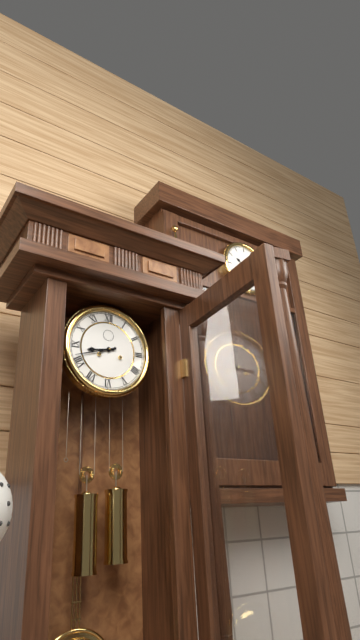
8:42
